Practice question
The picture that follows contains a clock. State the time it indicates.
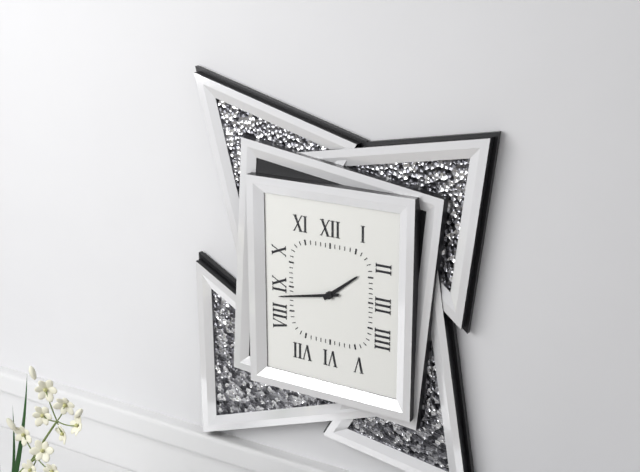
1:43
